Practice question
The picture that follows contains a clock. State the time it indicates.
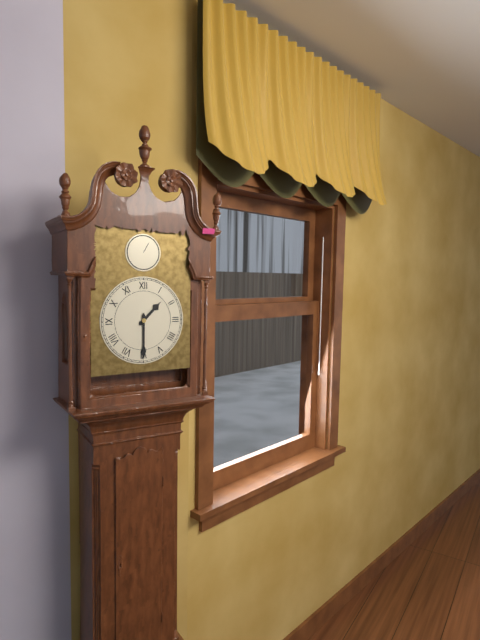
1:30
